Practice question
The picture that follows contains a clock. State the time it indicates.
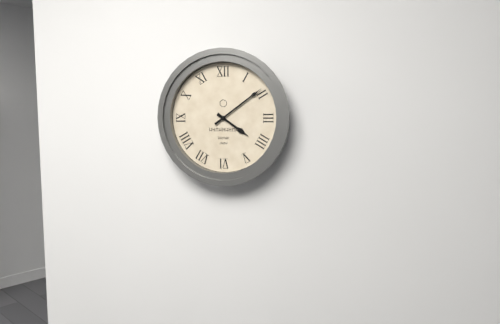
4:09
